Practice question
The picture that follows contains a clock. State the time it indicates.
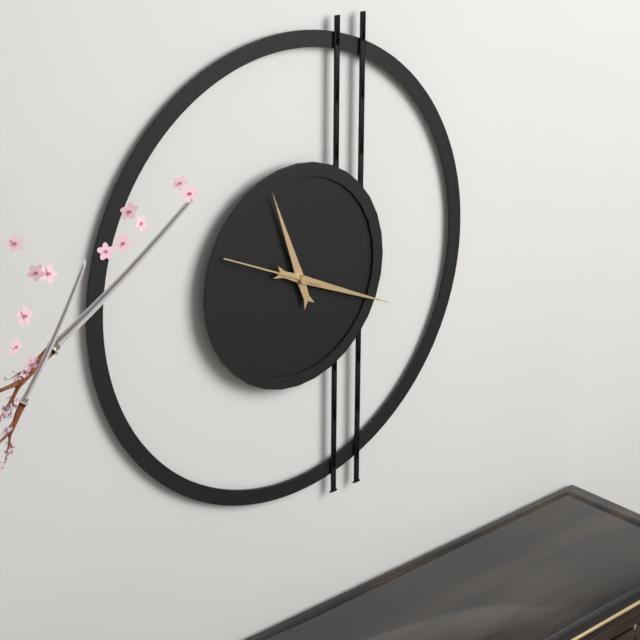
11:19:49
